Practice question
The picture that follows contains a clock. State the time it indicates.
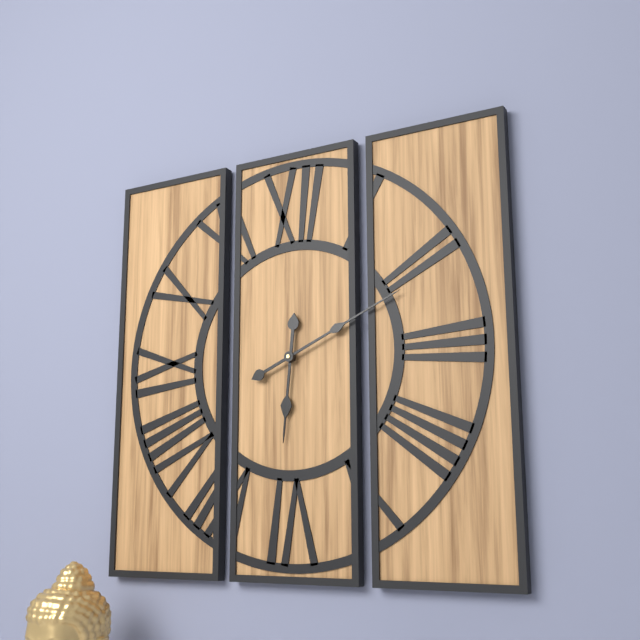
6:11
